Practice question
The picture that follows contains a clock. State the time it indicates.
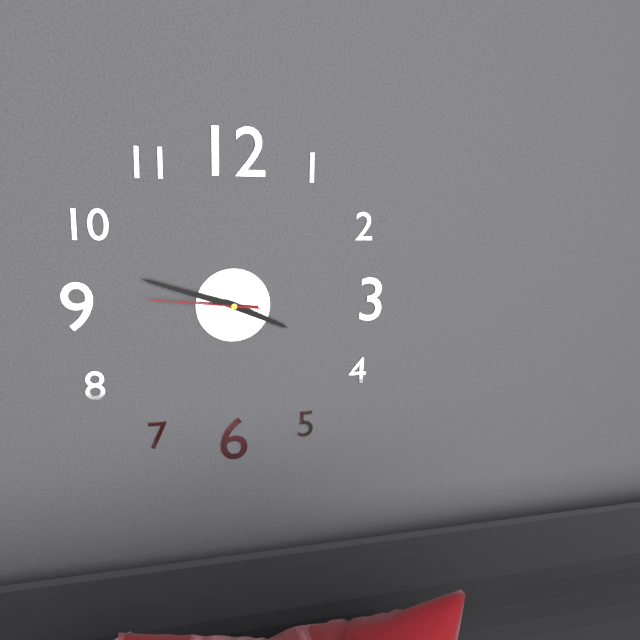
3:48:46
